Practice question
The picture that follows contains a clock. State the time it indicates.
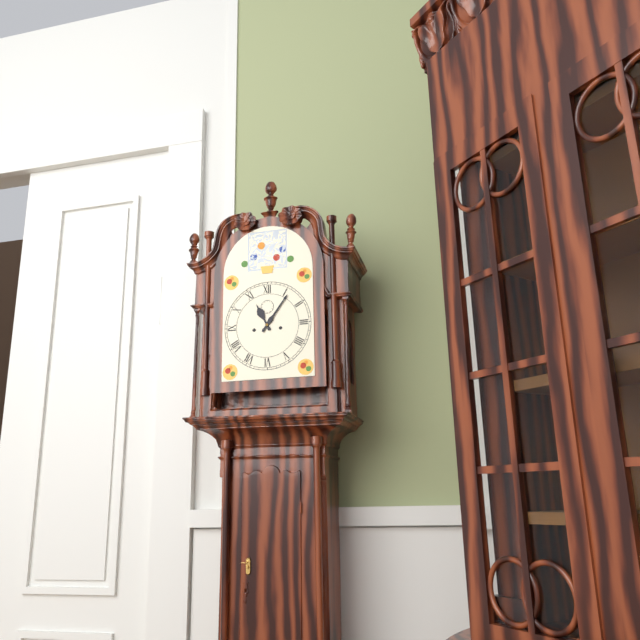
11:06
